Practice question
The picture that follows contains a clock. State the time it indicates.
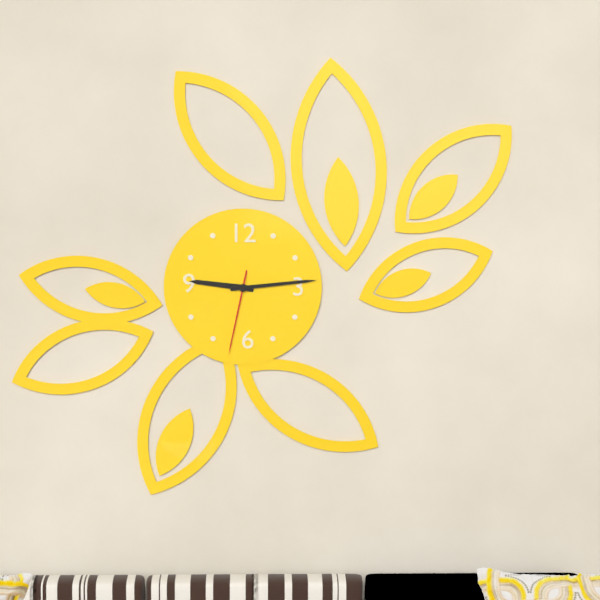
9:14:32
